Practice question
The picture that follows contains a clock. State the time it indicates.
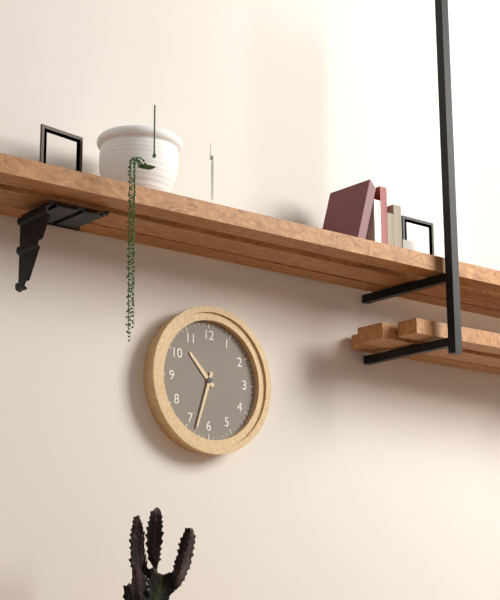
10:33
